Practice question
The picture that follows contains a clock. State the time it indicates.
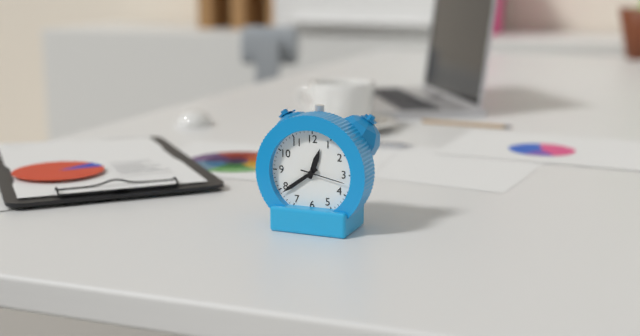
12:39
